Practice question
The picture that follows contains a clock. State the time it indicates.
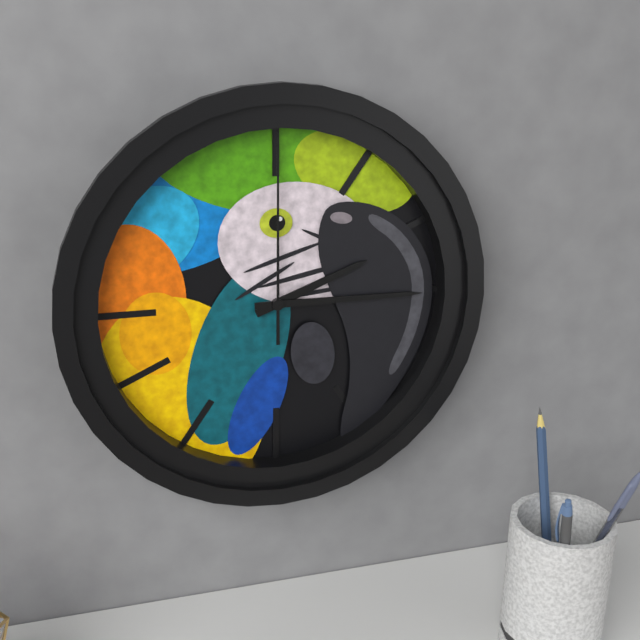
2:15:00
